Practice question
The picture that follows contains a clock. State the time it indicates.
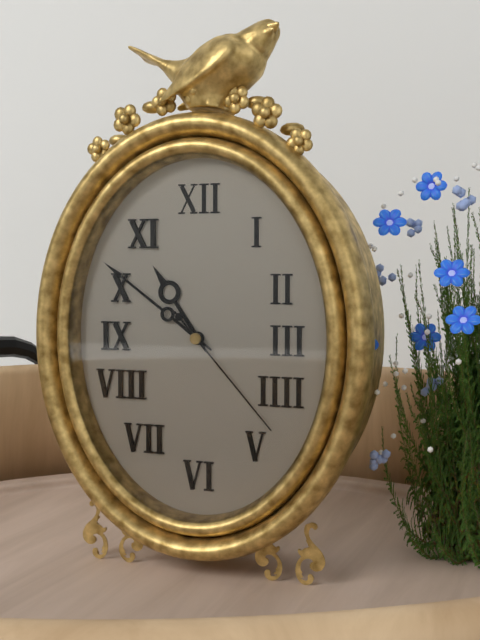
10:51:23
